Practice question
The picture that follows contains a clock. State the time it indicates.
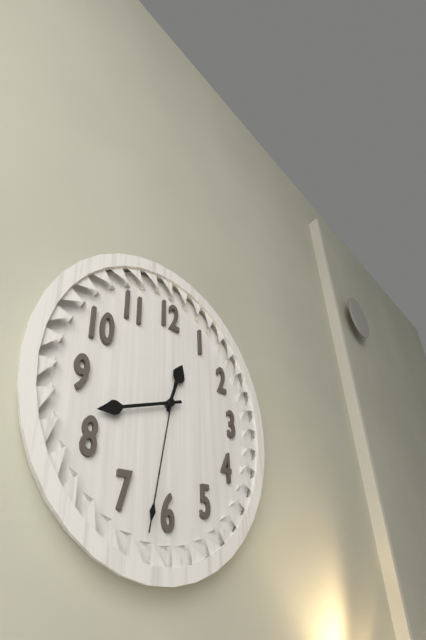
12:42:32
